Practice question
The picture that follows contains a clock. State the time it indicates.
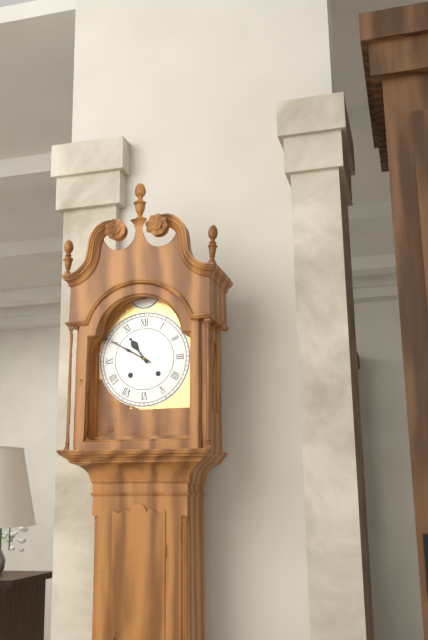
10:50
